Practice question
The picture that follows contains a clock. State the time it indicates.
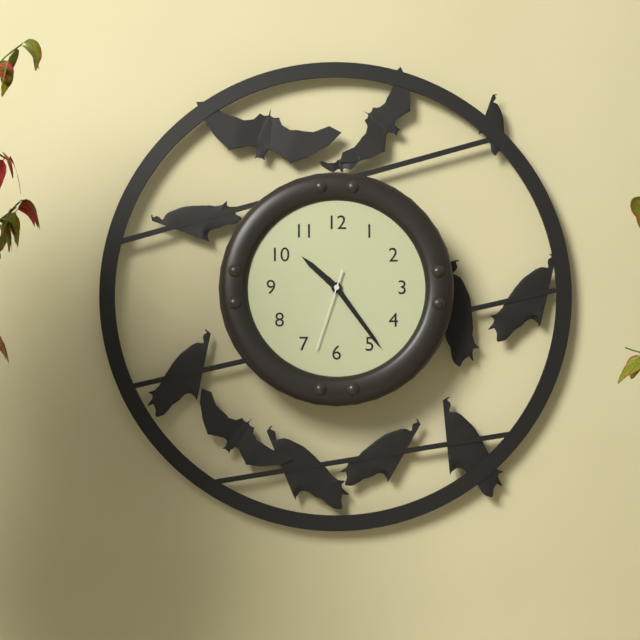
10:24:33
